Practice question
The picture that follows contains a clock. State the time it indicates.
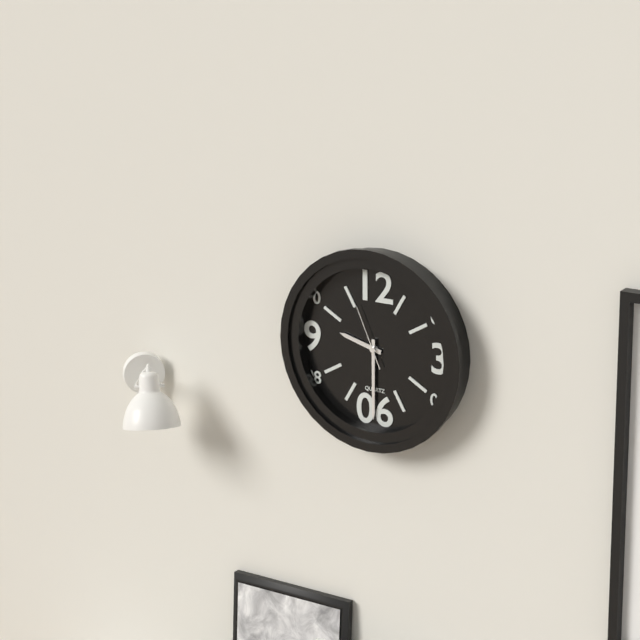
9:30:56
